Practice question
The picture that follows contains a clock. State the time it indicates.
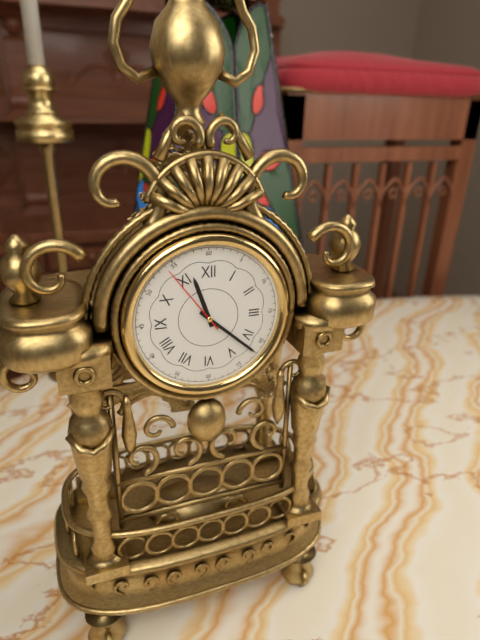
11:22:54
